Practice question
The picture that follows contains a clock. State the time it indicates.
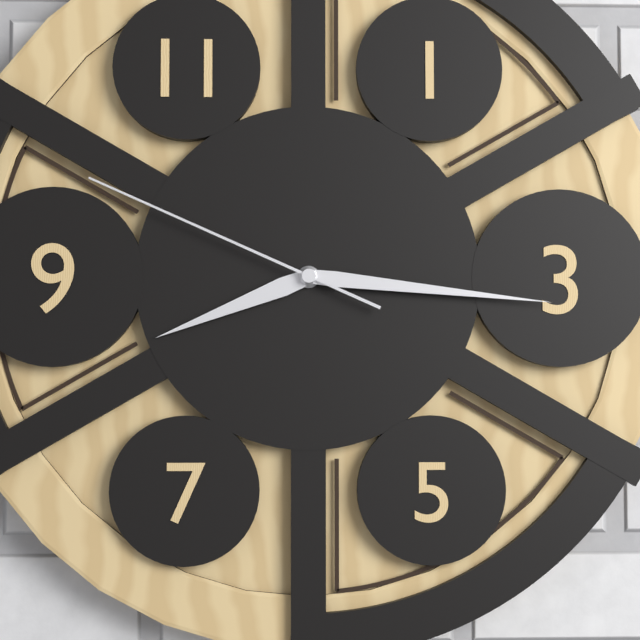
8:16:49
